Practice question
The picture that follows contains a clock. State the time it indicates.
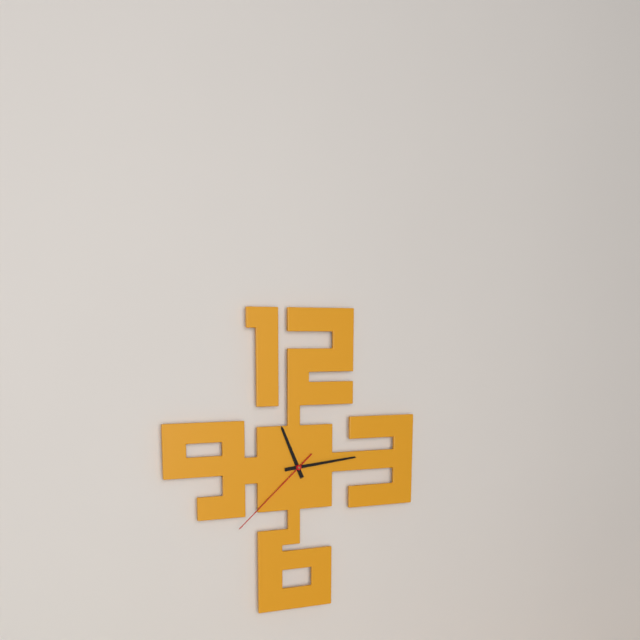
11:14:38
